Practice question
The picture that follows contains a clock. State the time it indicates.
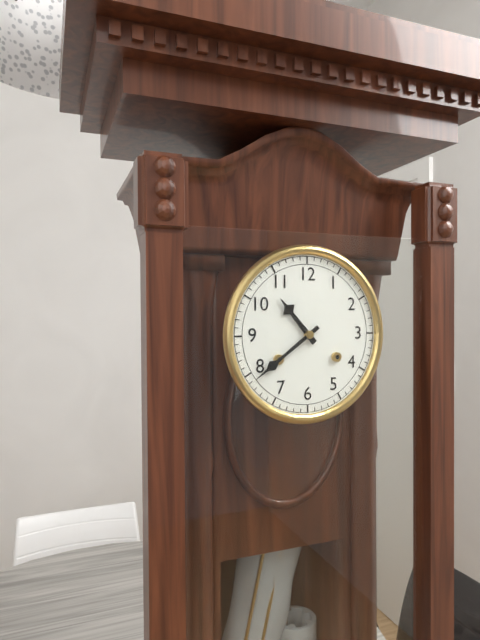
10:39
